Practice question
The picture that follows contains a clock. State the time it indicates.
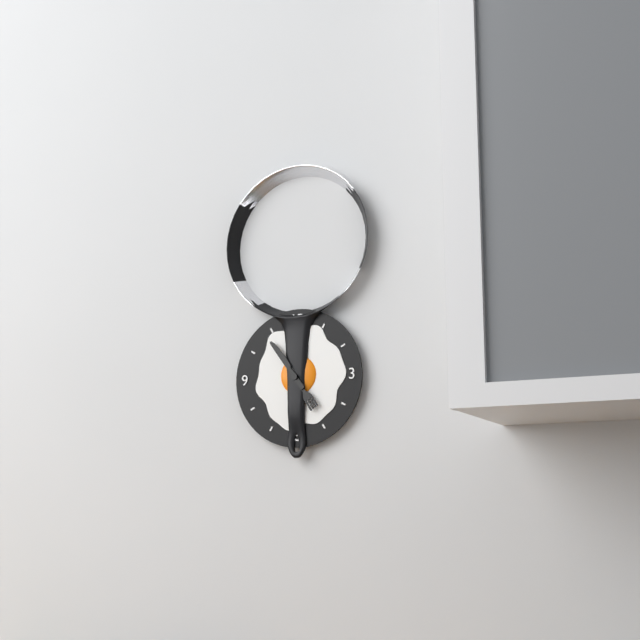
4:54
